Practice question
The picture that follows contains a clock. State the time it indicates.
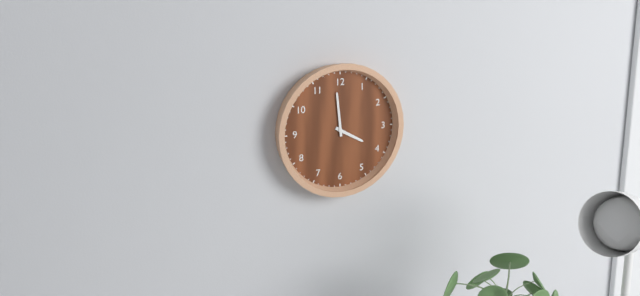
3:59
